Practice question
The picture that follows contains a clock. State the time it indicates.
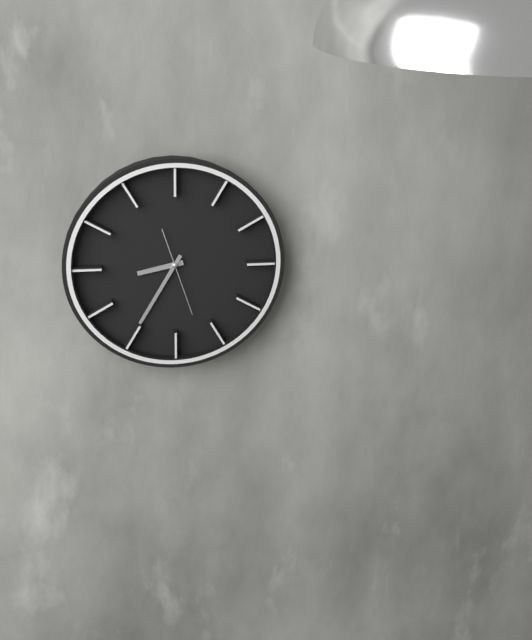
8:35:27
